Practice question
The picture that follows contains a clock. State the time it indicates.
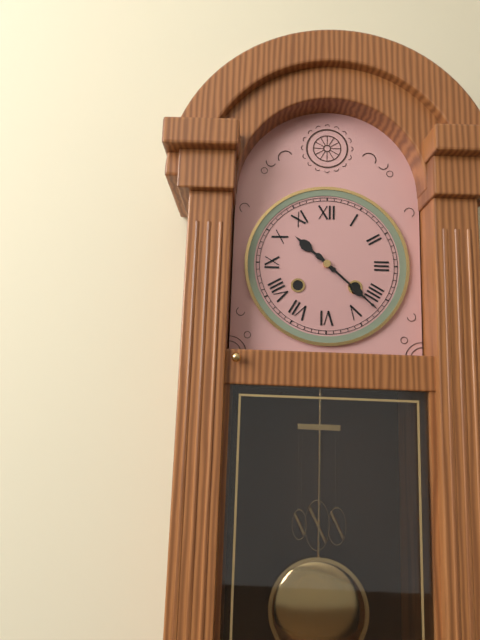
10:22
